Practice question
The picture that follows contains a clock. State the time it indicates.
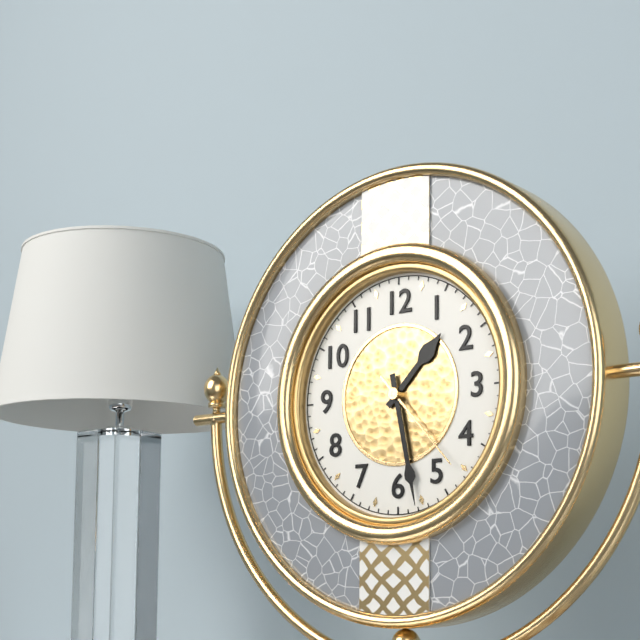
1:28:23
